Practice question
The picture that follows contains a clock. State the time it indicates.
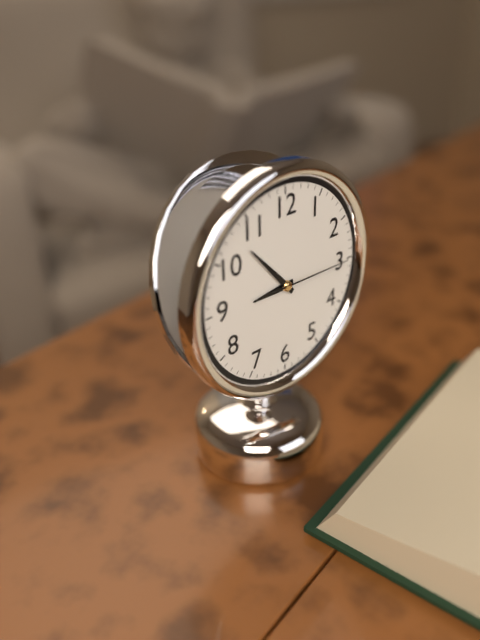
8:53:15
